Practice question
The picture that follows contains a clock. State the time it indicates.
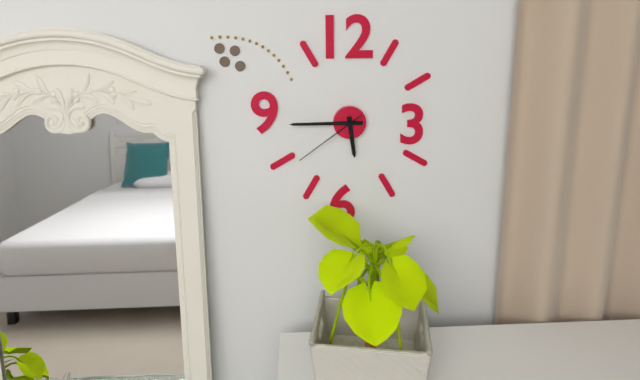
5:45:39
